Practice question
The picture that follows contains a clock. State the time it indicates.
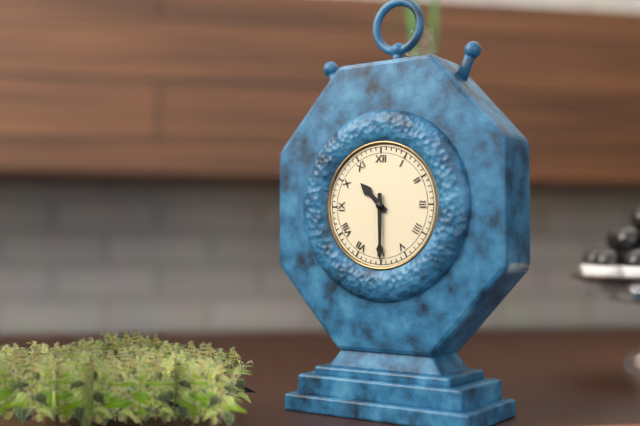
10:30
